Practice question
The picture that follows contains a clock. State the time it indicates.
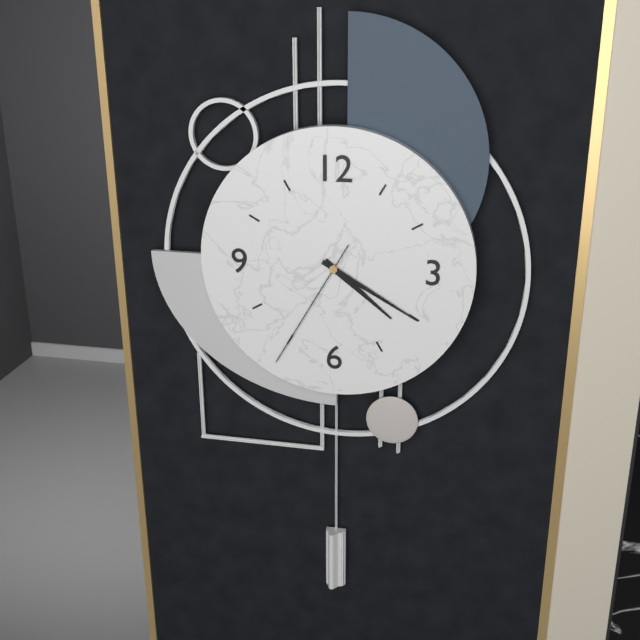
4:20:35
